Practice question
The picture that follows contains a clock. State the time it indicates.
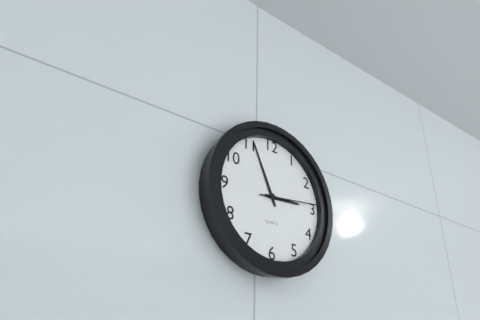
2:56:14
